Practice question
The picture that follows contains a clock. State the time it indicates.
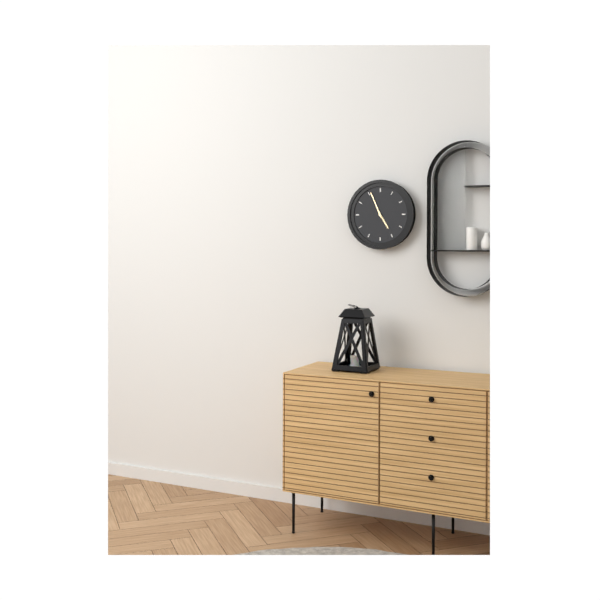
4:56
